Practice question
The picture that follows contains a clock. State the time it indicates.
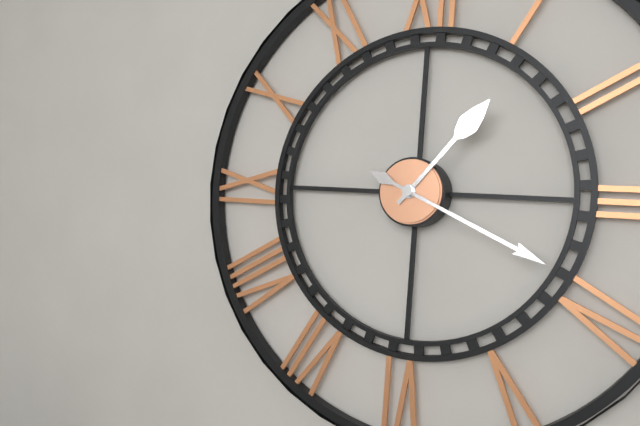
1:19
